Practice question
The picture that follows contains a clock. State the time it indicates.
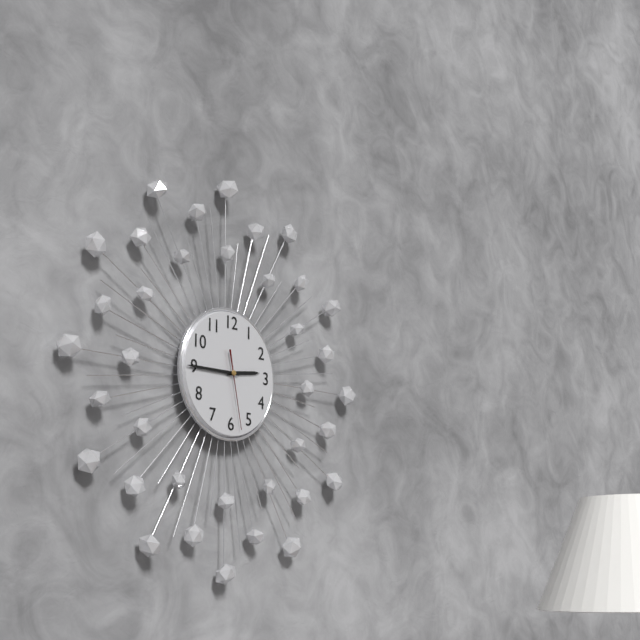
2:45:28
